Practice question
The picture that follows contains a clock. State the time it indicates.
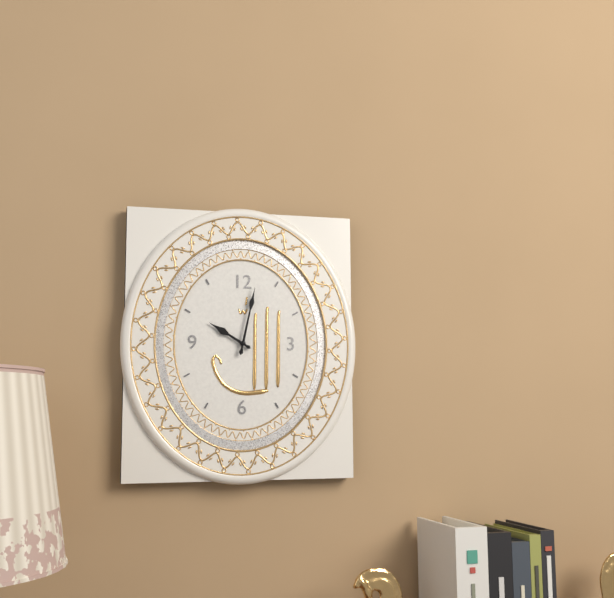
10:02
